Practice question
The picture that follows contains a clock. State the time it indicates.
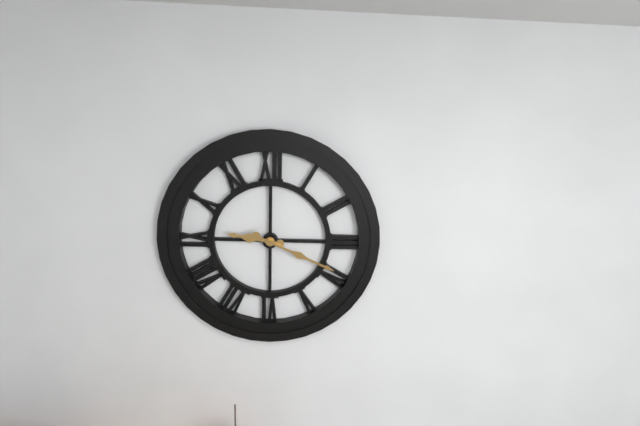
9:19
